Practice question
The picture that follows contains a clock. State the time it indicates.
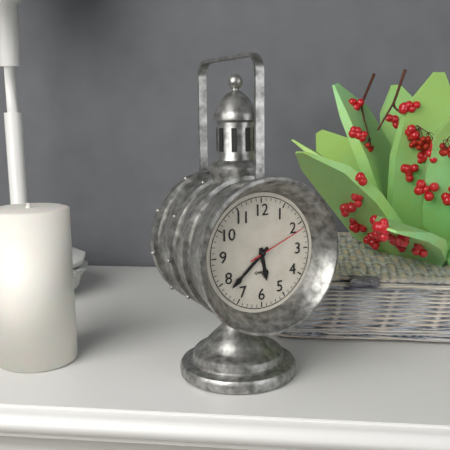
5:38:11
